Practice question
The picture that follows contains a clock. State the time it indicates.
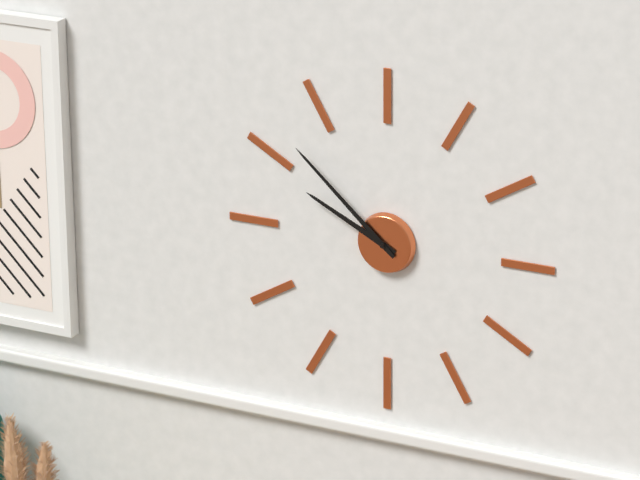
9:52
